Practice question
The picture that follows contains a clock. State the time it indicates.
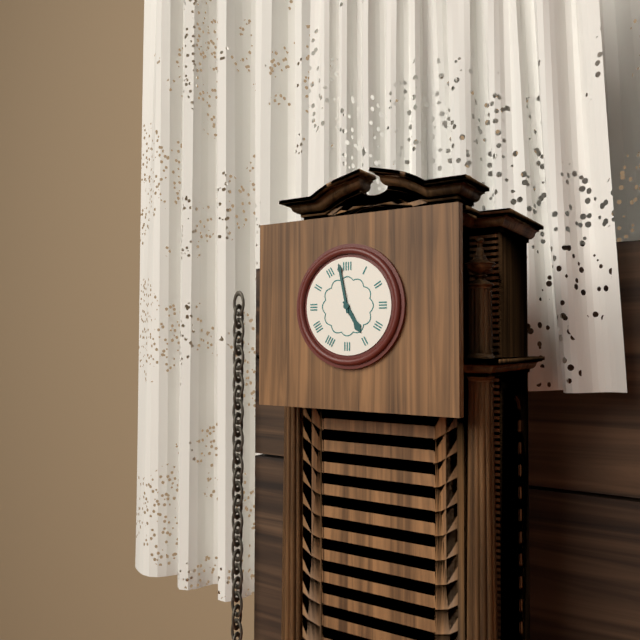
4:58
